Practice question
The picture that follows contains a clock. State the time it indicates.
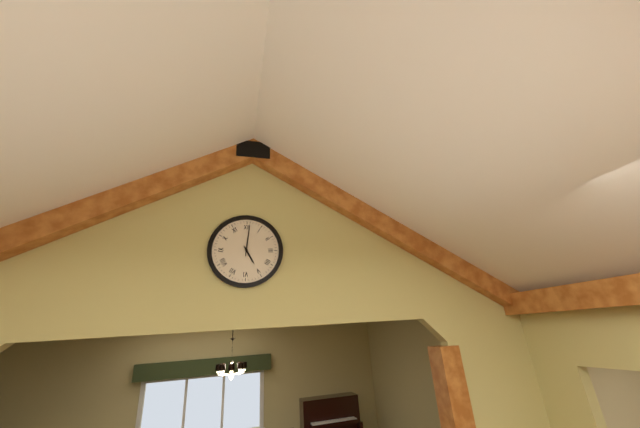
5:01
